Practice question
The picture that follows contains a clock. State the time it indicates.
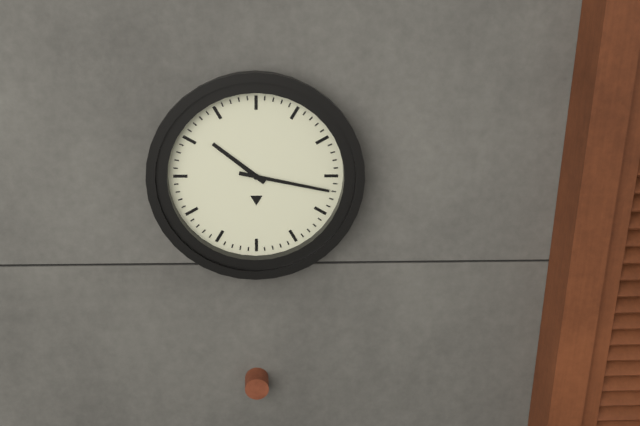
10:17
